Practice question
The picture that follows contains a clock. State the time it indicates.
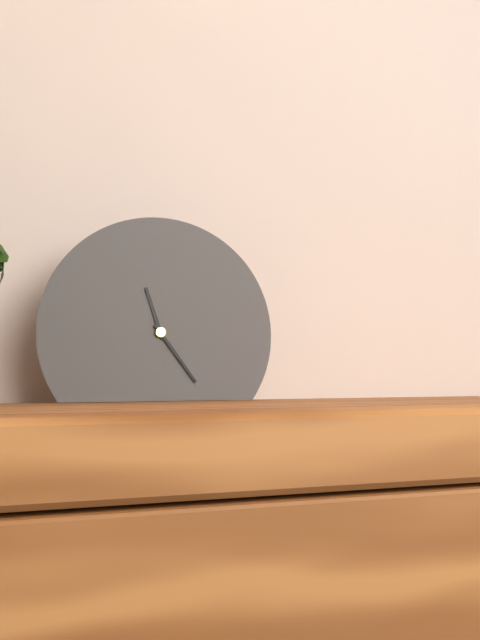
11:24
